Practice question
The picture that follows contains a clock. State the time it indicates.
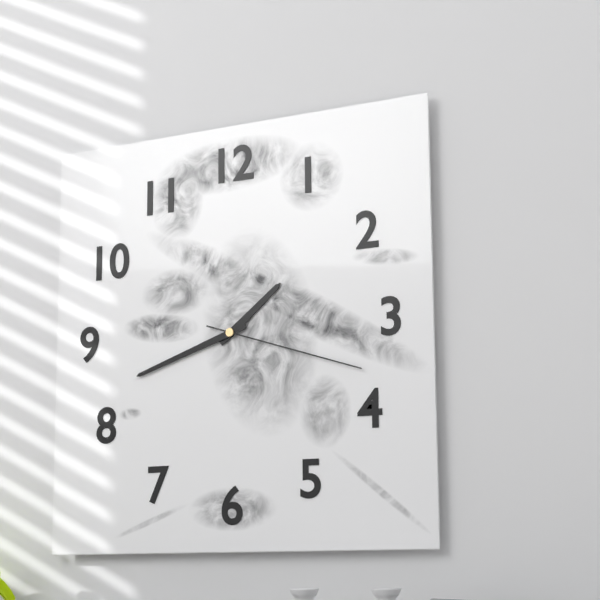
1:42:18
